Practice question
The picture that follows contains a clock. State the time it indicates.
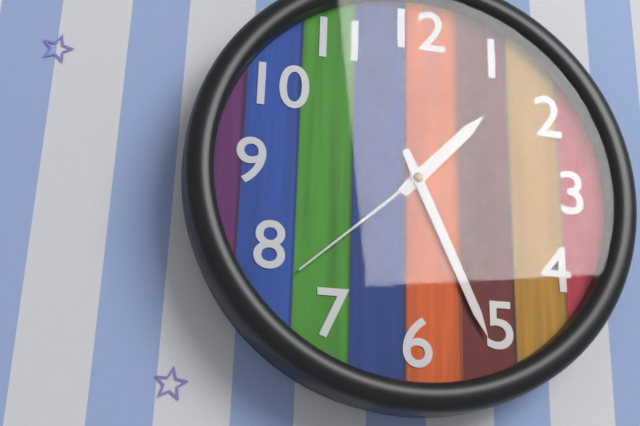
1:26:38
